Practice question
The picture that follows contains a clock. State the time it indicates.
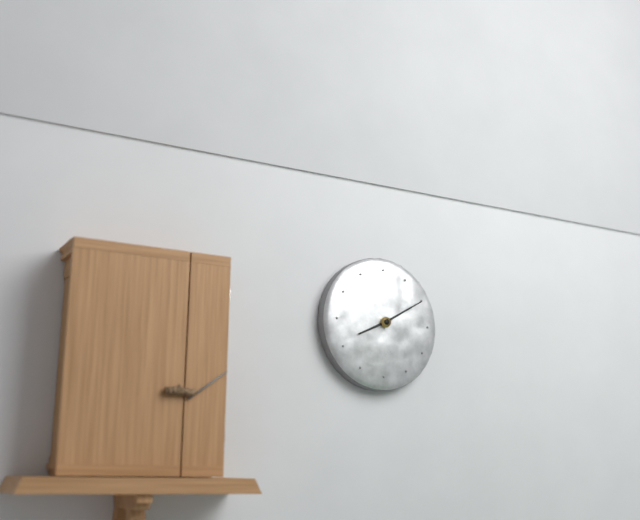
8:10
